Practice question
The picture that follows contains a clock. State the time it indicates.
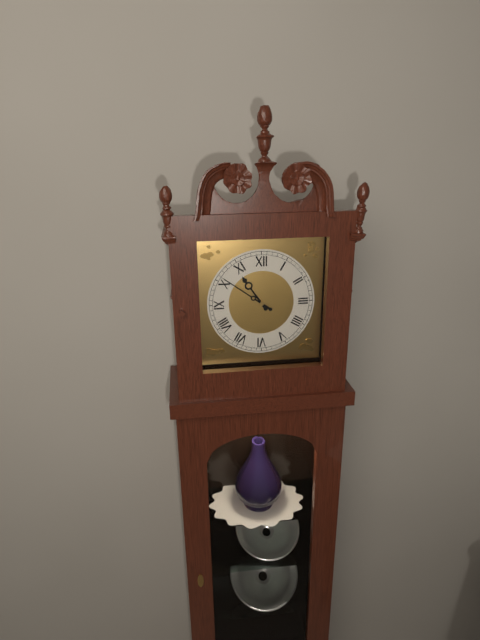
10:51
